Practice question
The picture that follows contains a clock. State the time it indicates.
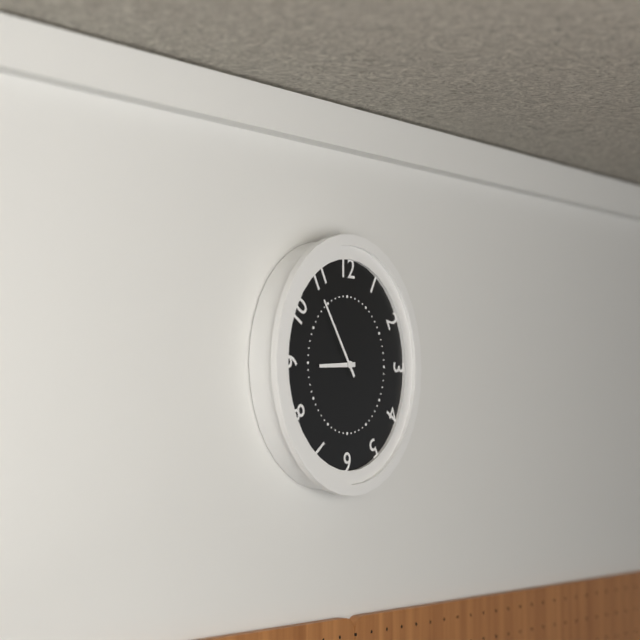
8:54
